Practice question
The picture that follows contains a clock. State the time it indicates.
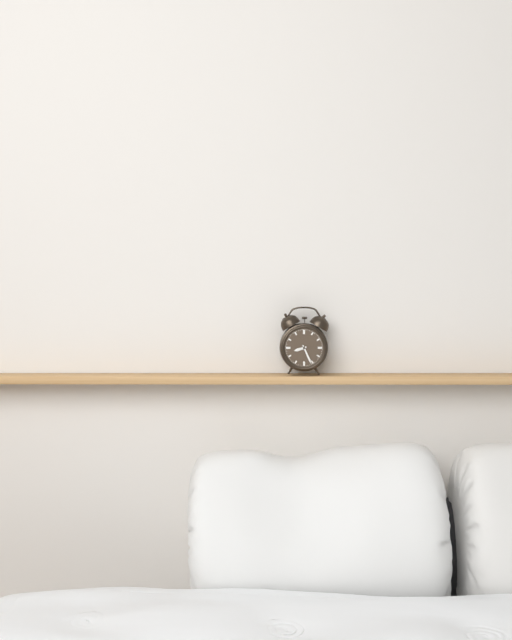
8:26
